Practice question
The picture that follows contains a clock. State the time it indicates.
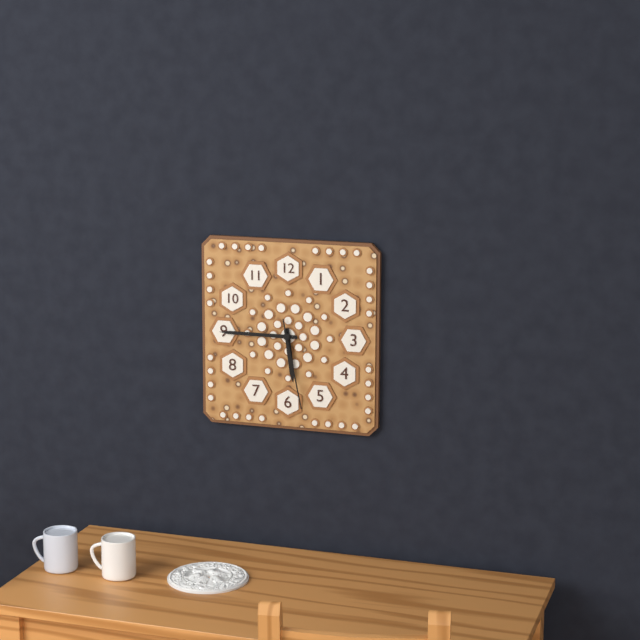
5:45:28
